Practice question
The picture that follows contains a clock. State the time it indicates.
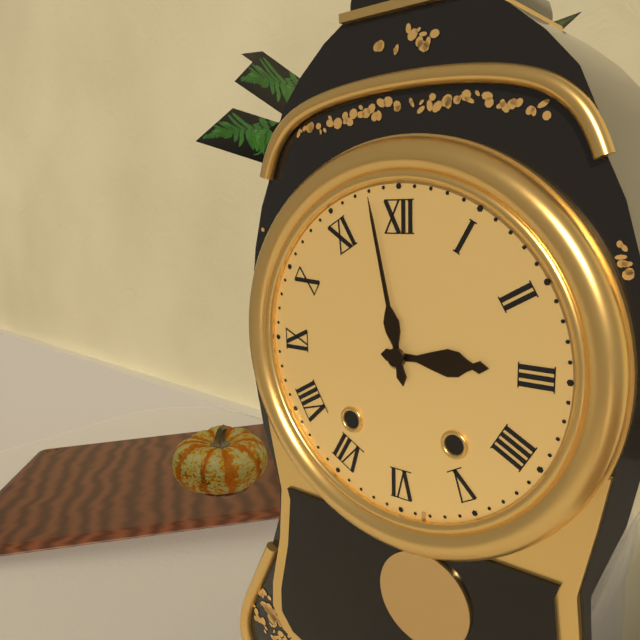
2:58
